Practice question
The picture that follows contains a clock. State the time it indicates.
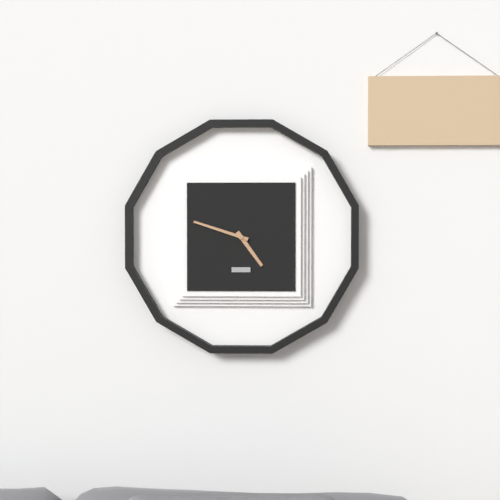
4:48
